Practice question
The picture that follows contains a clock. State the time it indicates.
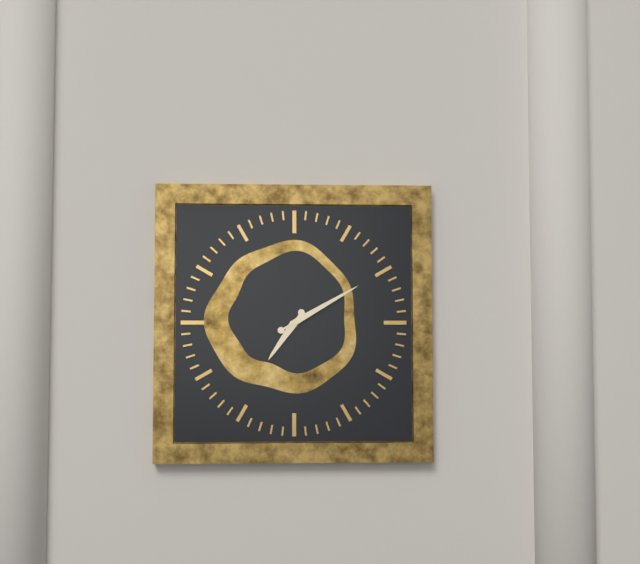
7:10
